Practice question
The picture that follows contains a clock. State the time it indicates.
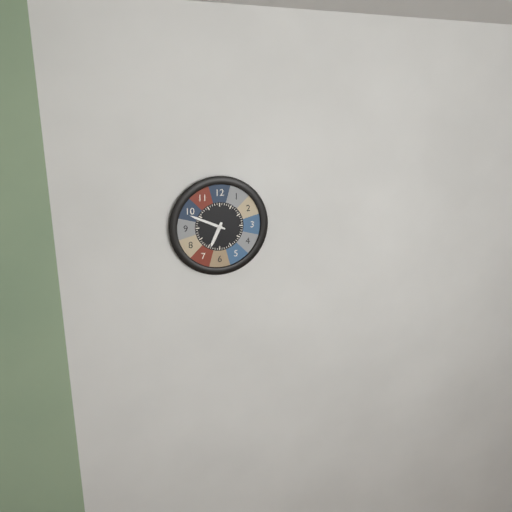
6:49
